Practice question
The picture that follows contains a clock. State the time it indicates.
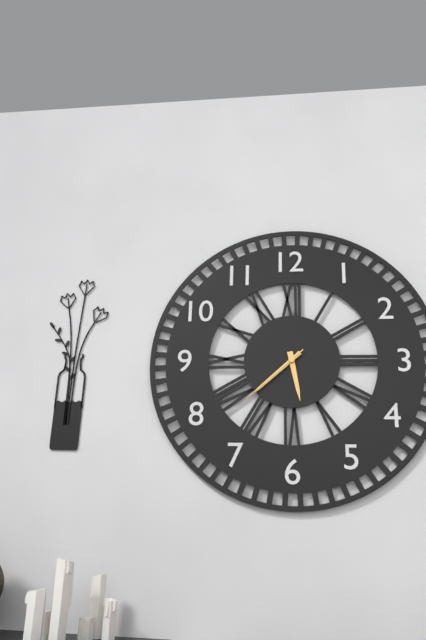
5:38:38
